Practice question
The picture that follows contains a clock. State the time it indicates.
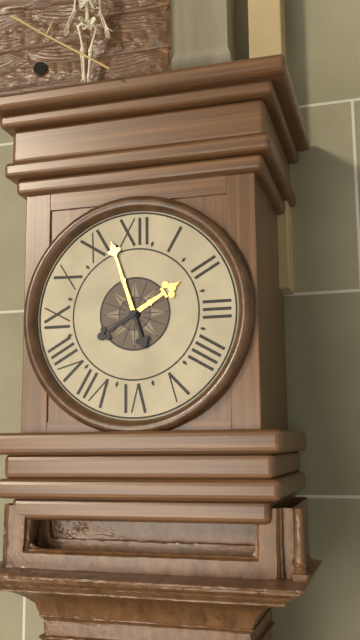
1:57
